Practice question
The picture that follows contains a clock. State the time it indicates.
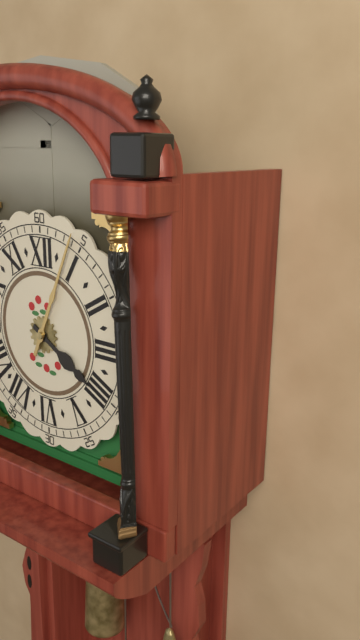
4:04
